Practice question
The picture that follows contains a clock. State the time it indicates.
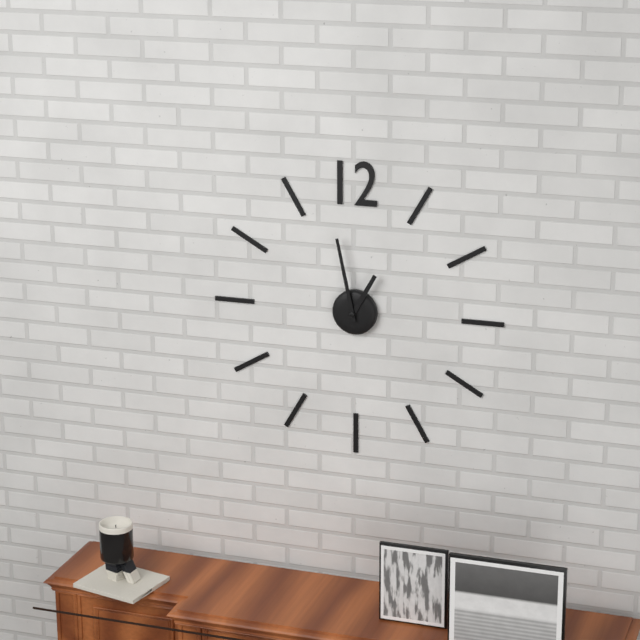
12:58
